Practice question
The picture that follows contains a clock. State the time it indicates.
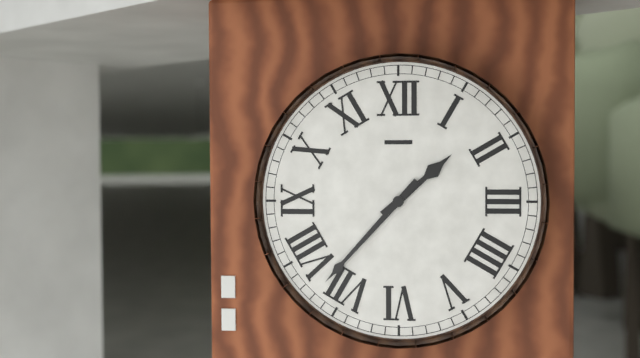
1:37
